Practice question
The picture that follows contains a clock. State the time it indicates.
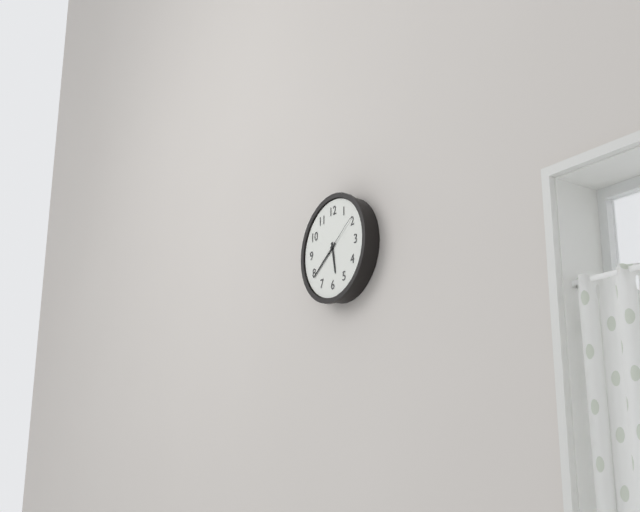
5:39
